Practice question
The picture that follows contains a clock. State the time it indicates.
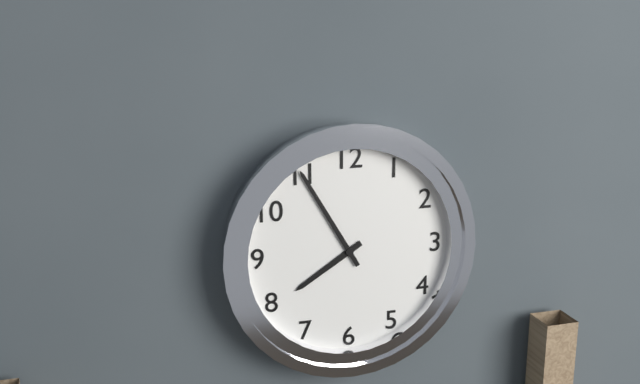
7:55
